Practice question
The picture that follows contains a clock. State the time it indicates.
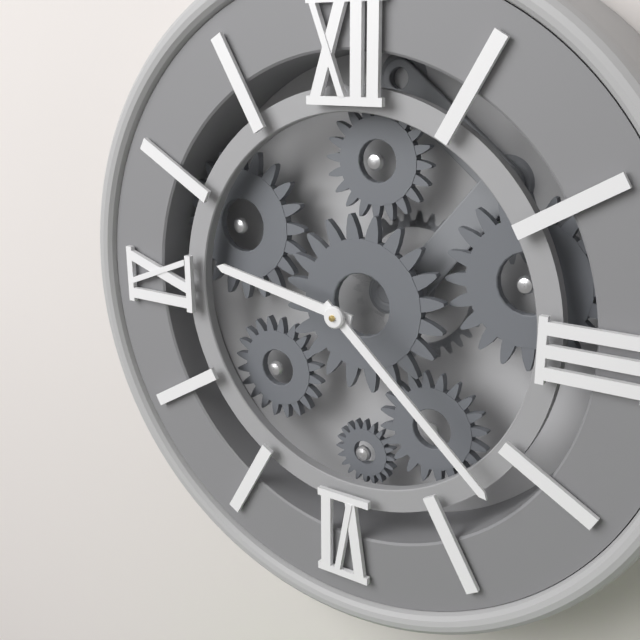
9:22
